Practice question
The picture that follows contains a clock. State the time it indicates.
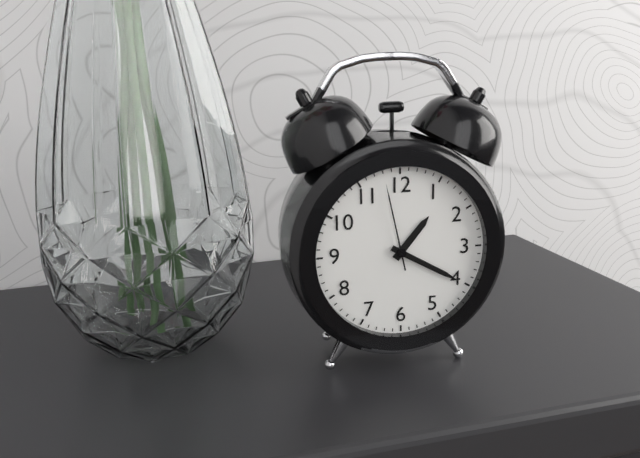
1:20:58
